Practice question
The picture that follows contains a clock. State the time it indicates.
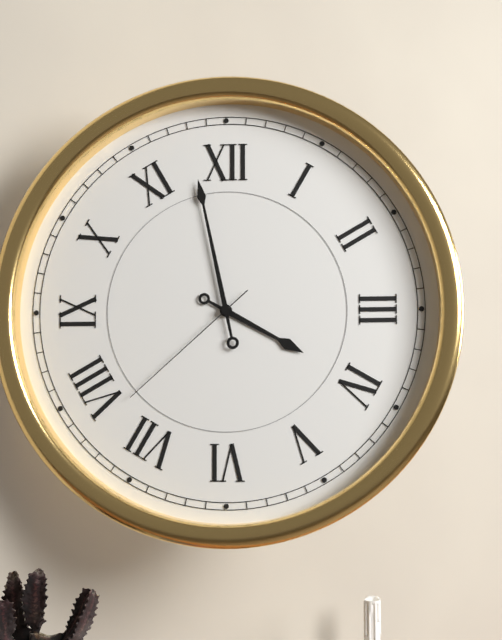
3:58:38
